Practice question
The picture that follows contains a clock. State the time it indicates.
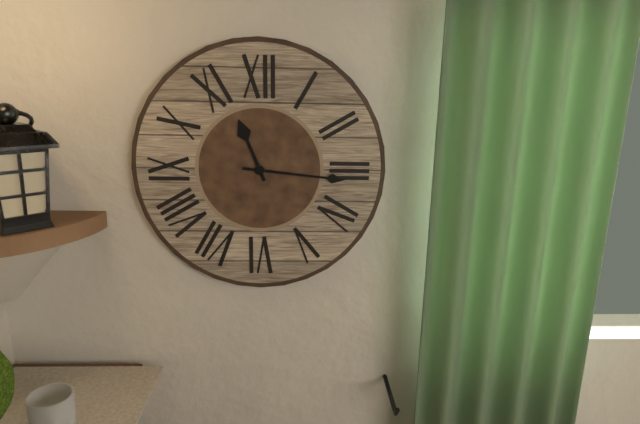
11:16
